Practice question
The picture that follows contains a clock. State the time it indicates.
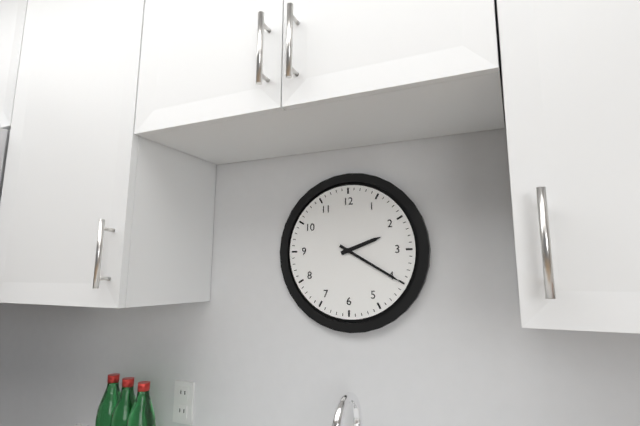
2:20
